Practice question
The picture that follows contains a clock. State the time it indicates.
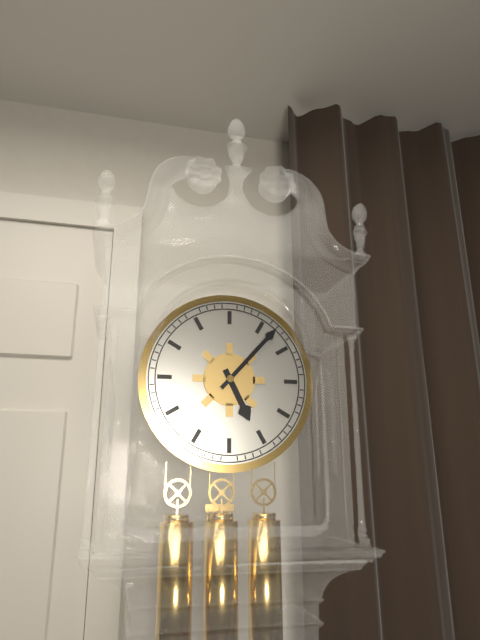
5:07
